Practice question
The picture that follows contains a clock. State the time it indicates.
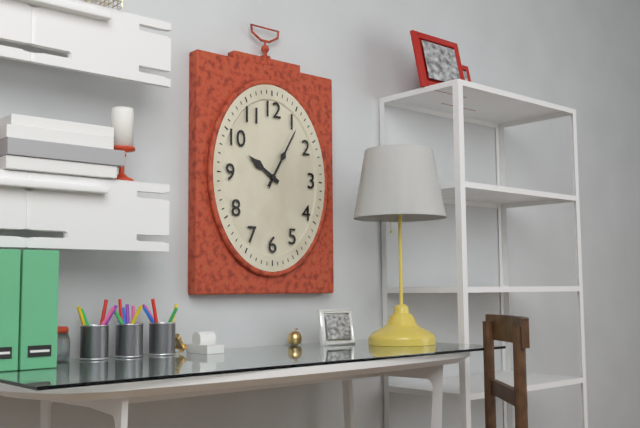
10:05
